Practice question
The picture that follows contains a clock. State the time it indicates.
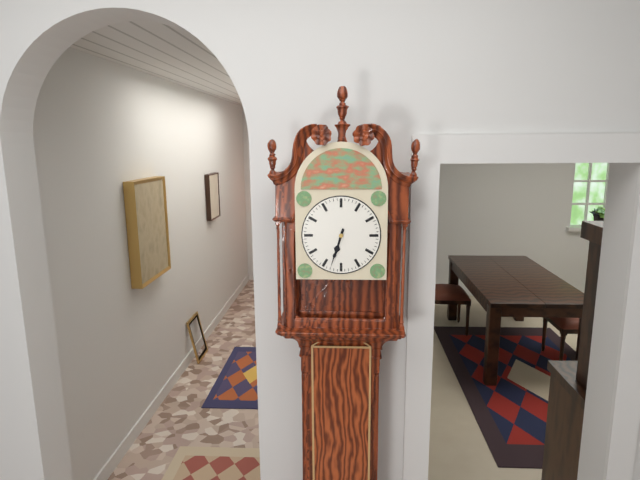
6:33
